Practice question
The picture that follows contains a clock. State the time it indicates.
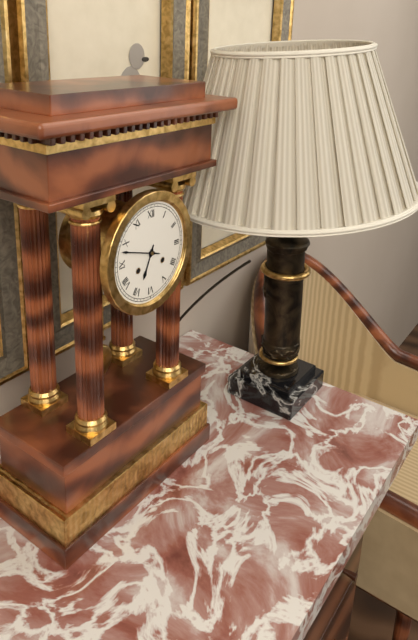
6:48
